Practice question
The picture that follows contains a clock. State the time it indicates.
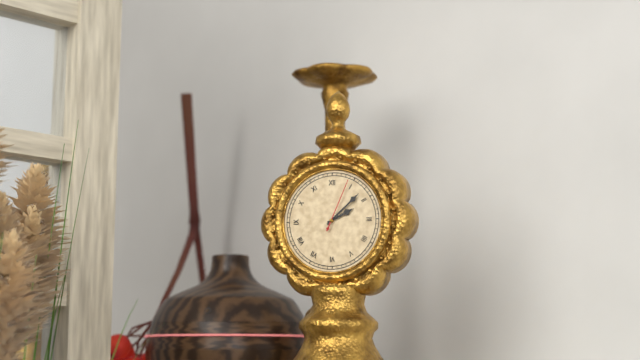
2:08:04
